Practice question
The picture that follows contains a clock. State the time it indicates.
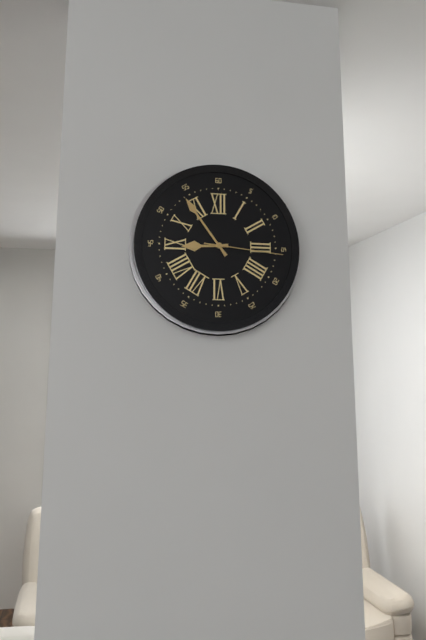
8:54:16
